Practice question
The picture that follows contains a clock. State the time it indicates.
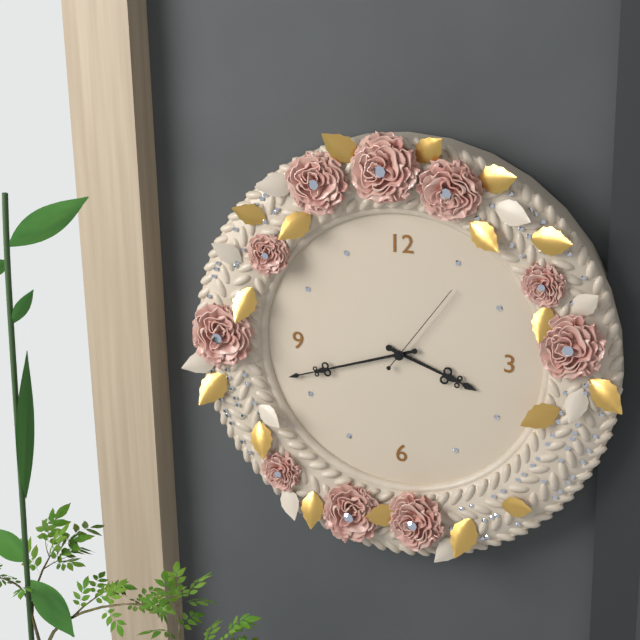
3:42:06
